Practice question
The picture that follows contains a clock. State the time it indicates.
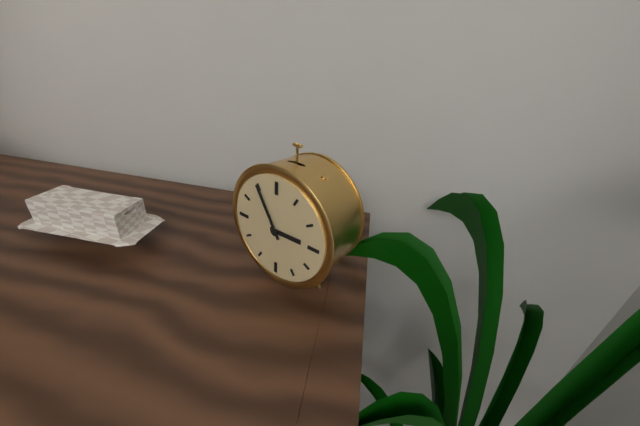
2:55
